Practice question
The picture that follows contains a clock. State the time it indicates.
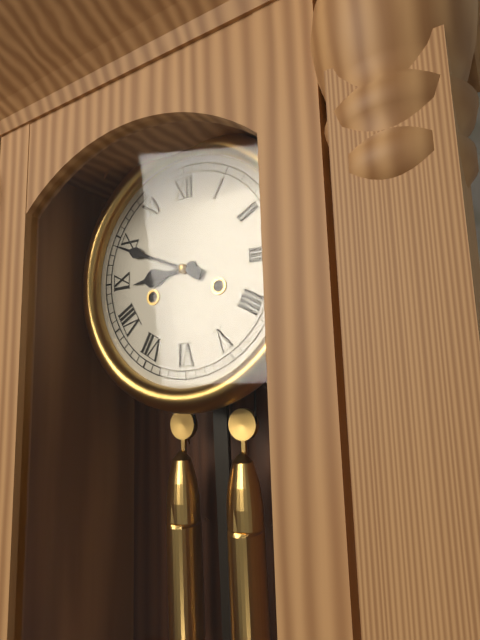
8:49
